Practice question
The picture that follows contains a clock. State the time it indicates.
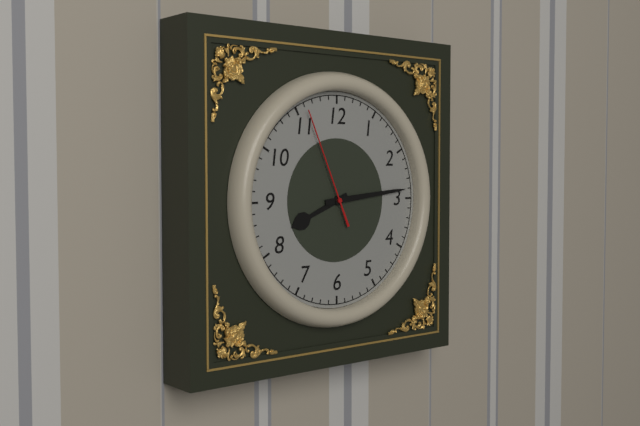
8:14:56
